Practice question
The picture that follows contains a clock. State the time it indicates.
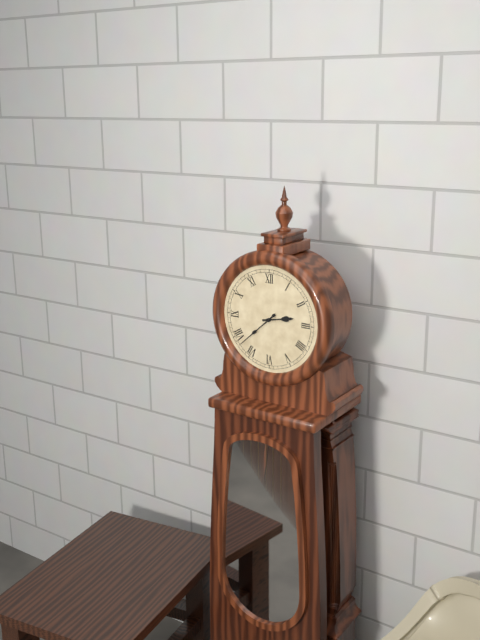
2:38
